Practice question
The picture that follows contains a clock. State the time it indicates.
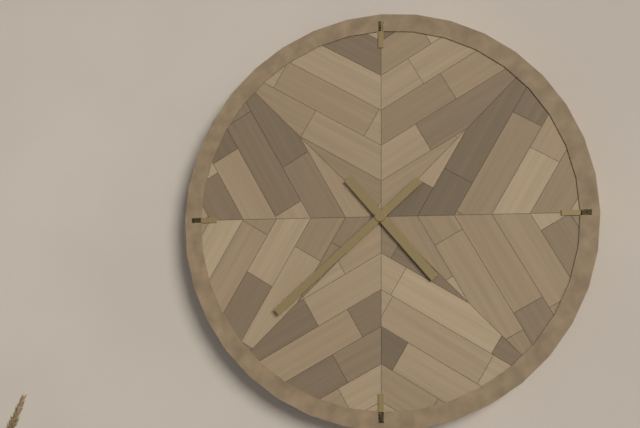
4:38
